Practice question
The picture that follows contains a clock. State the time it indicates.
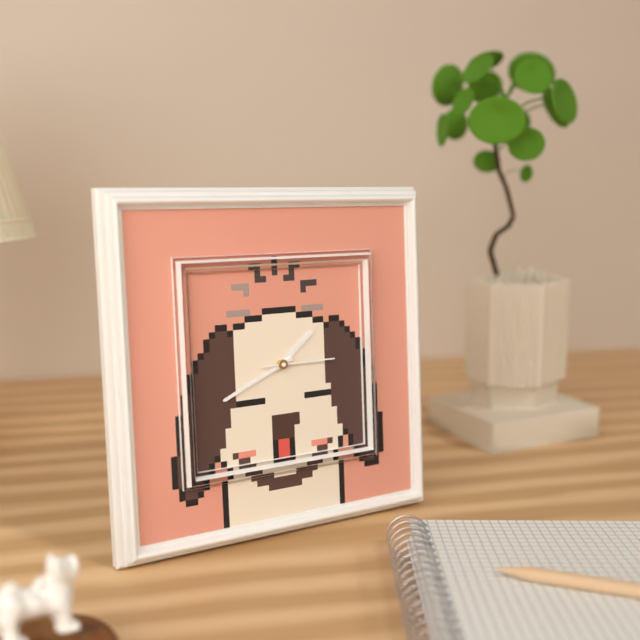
1:41:15
